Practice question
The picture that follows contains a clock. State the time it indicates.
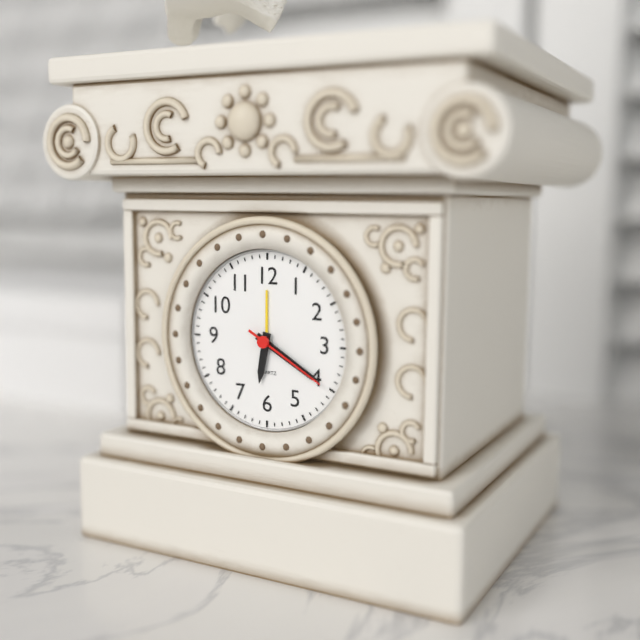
6:20:20
